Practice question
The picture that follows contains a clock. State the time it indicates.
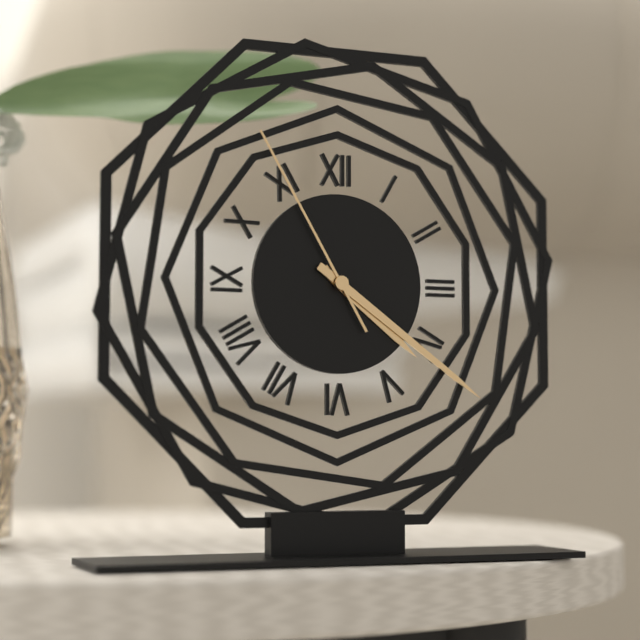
4:21:55
